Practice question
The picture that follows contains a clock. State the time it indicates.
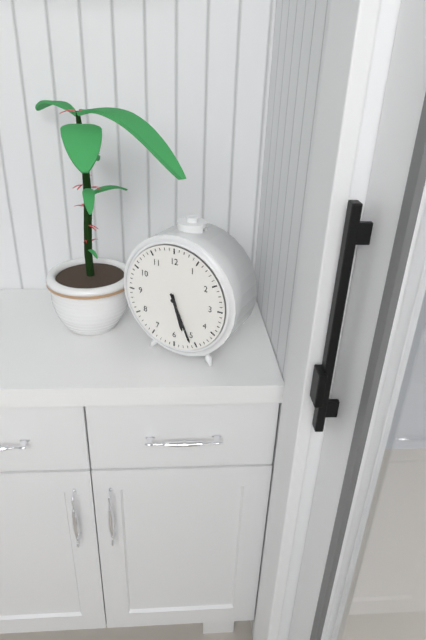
5:26
